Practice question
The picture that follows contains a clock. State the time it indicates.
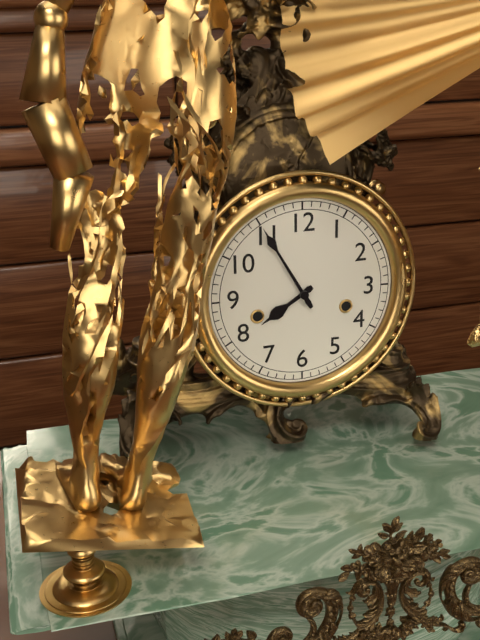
7:55
